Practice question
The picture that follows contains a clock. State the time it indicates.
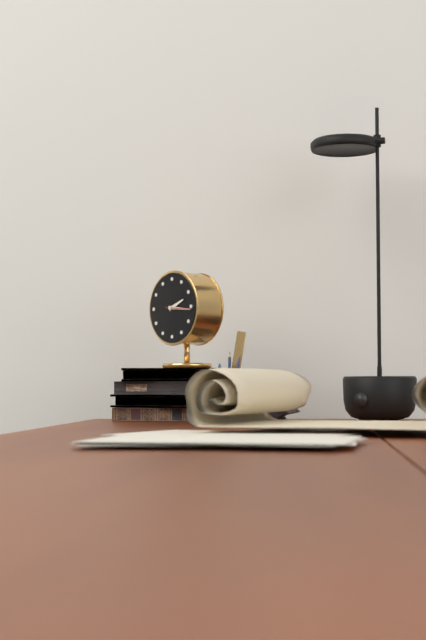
2:16
